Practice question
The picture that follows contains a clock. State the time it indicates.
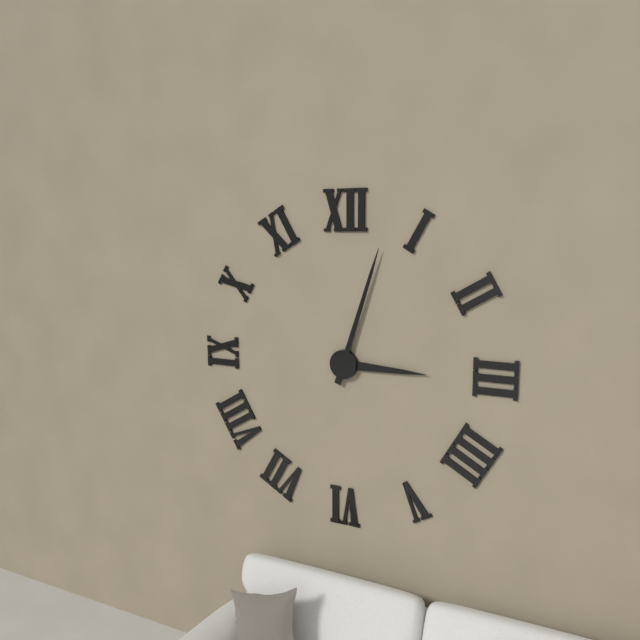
3:03
